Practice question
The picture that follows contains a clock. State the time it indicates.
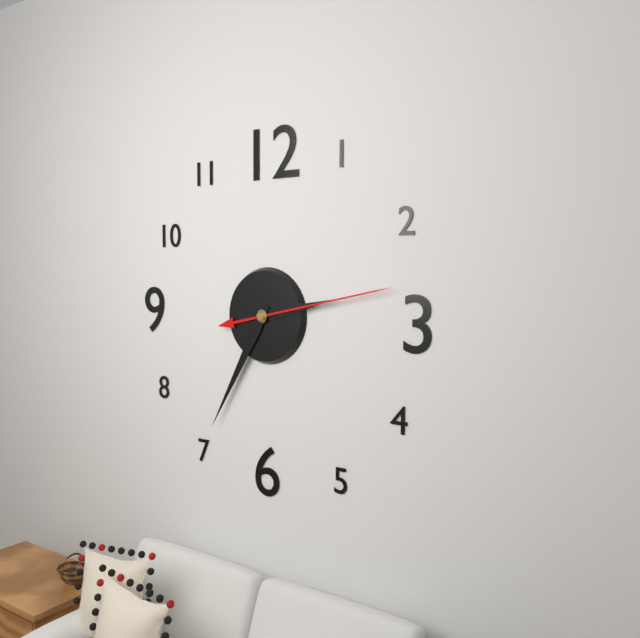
2:35:13
